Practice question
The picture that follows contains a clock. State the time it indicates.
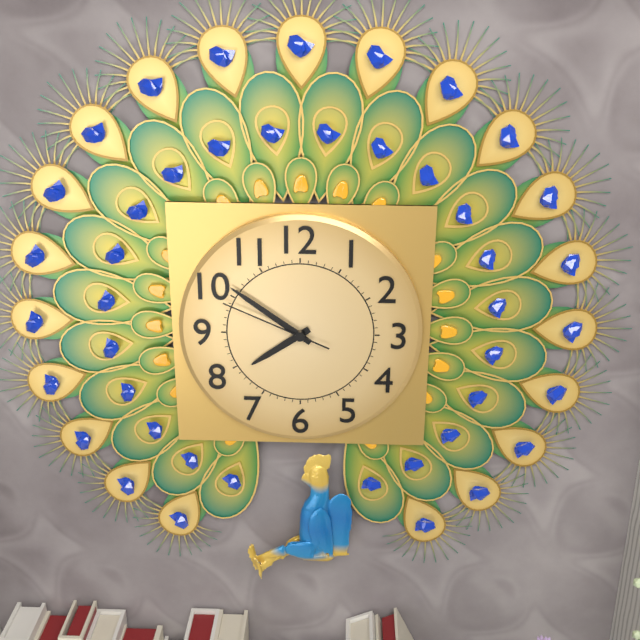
7:51:49
